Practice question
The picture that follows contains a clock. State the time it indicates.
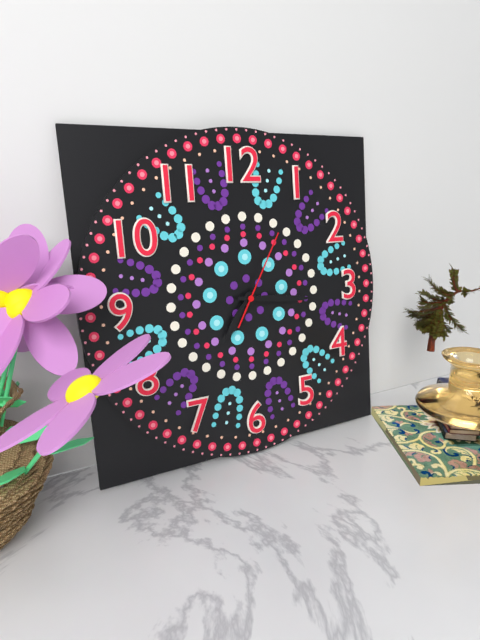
7:16:05
